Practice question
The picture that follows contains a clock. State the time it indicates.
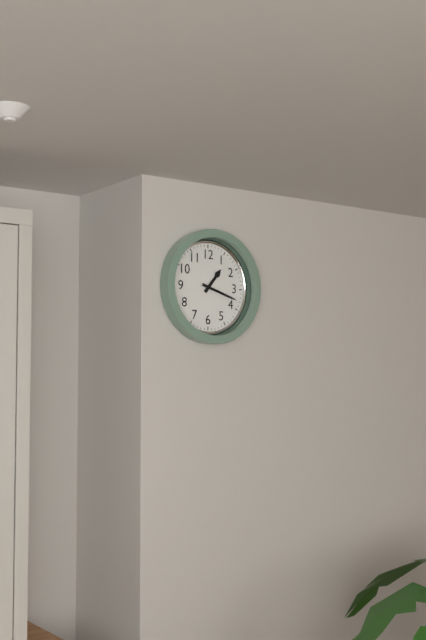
1:18
